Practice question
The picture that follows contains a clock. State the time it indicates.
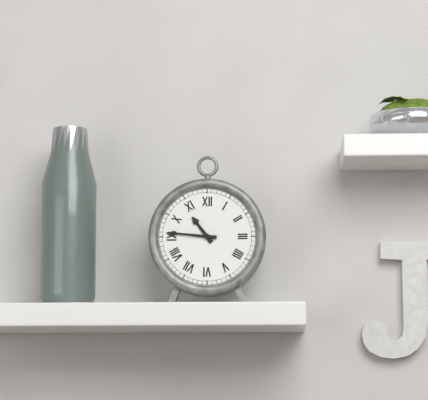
10:46
